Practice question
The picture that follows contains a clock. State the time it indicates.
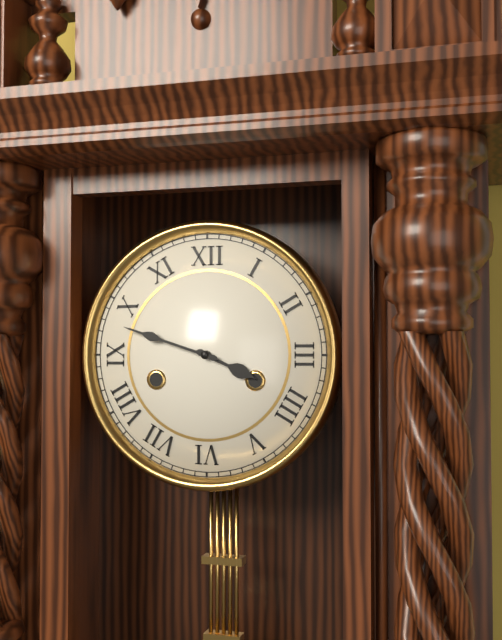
3:48
